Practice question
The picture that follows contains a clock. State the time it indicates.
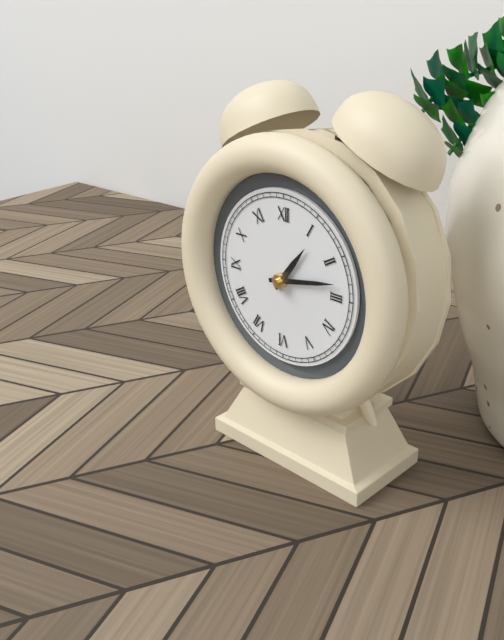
1:13
